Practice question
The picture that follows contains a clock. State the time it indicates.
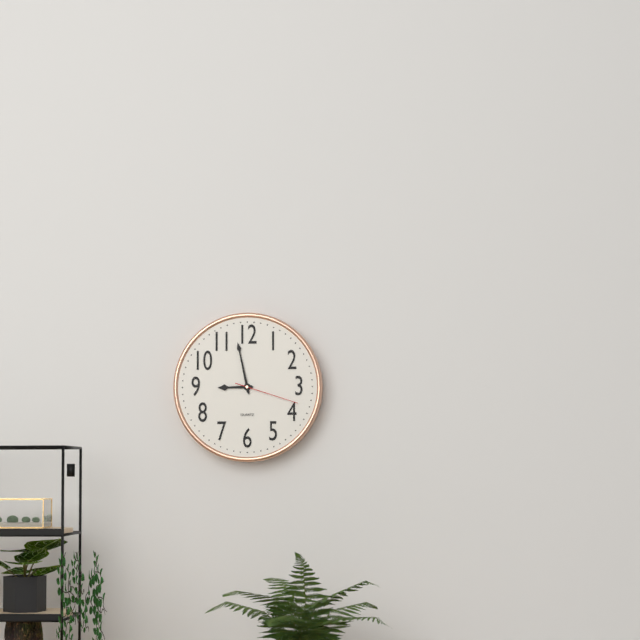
8:58:18
